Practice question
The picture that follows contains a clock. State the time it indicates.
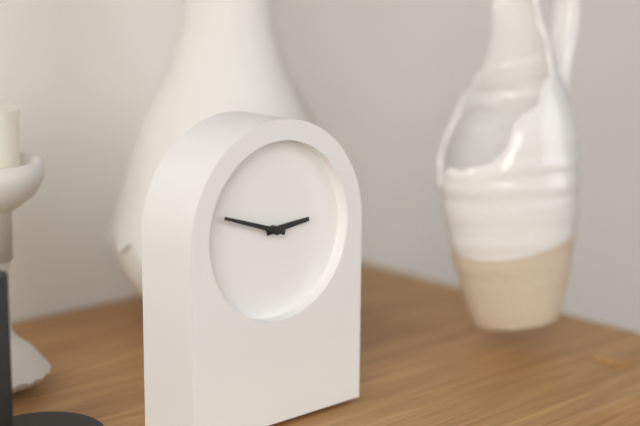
2:48
